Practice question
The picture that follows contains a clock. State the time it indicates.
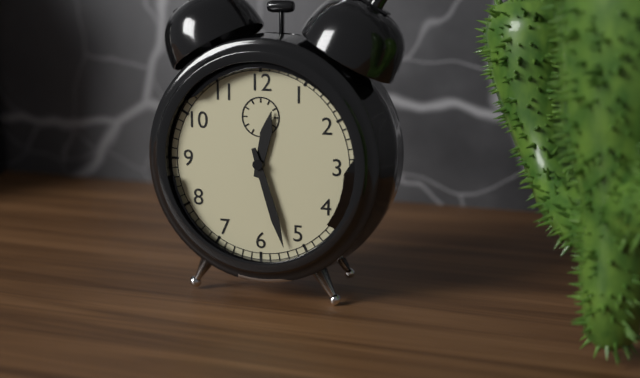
12:27
